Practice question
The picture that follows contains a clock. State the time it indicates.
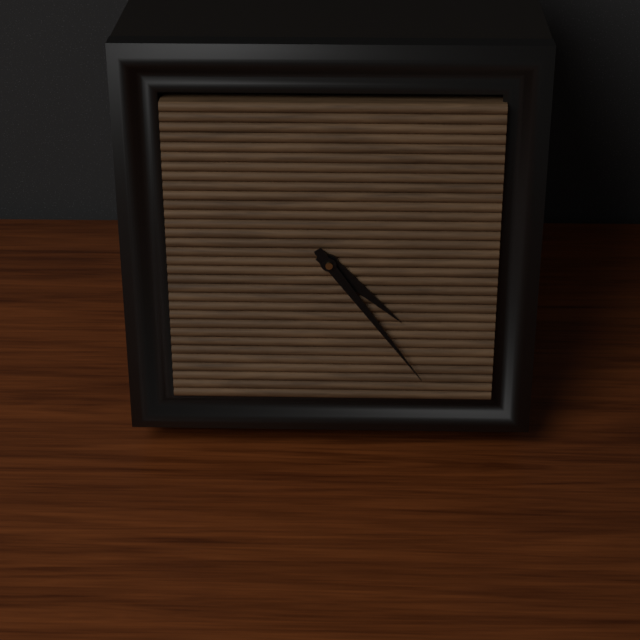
4:24
